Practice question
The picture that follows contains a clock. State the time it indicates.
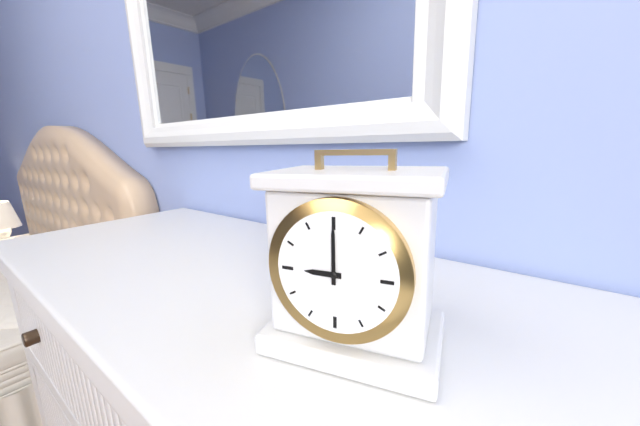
9:00
